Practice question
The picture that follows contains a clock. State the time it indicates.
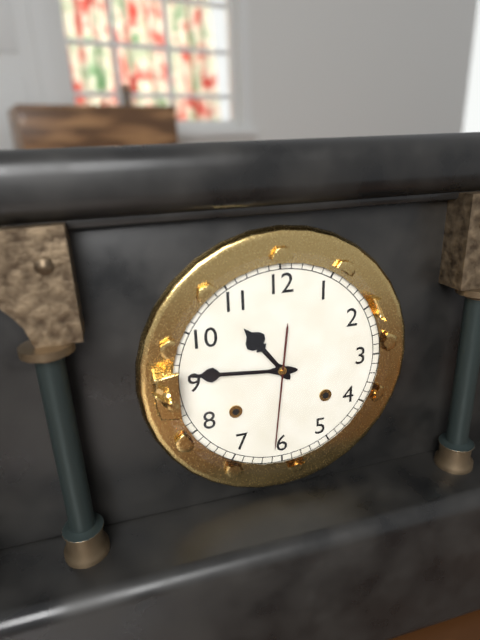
10:46:31
